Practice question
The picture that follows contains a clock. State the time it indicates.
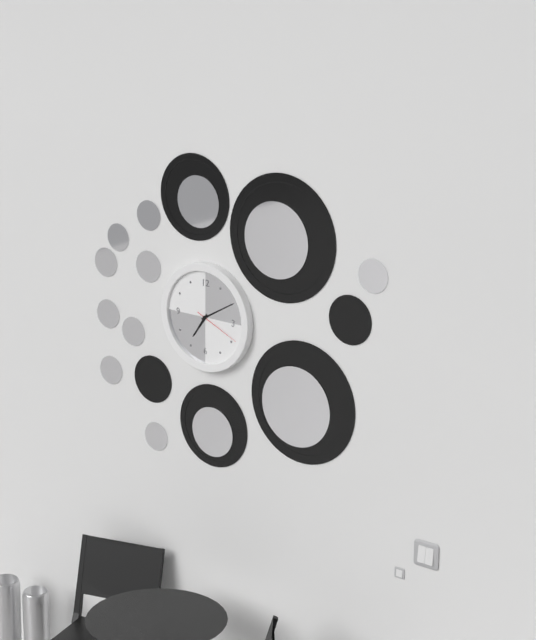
7:10
